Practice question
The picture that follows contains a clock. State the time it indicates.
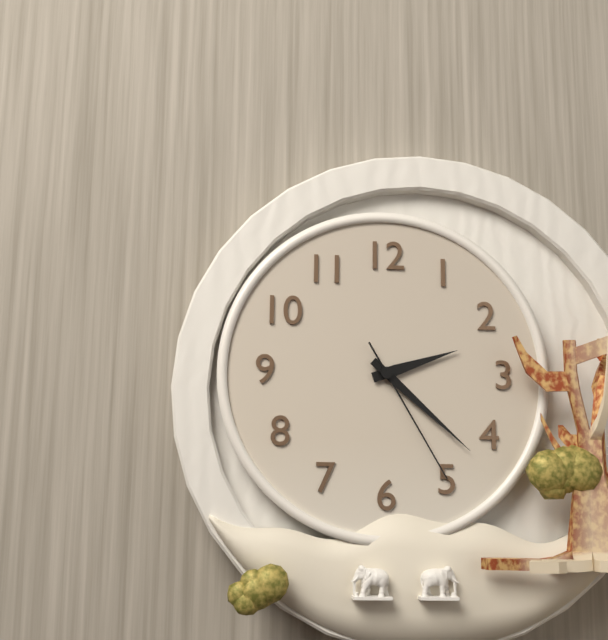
2:22:25
